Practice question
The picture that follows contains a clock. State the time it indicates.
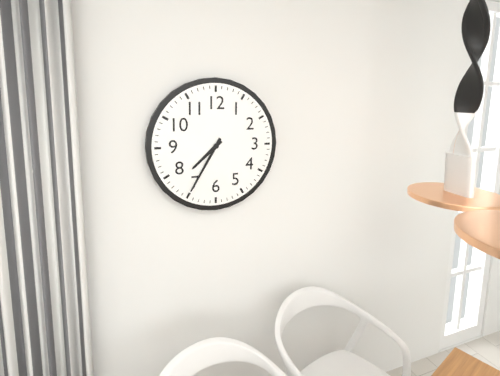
7:35
